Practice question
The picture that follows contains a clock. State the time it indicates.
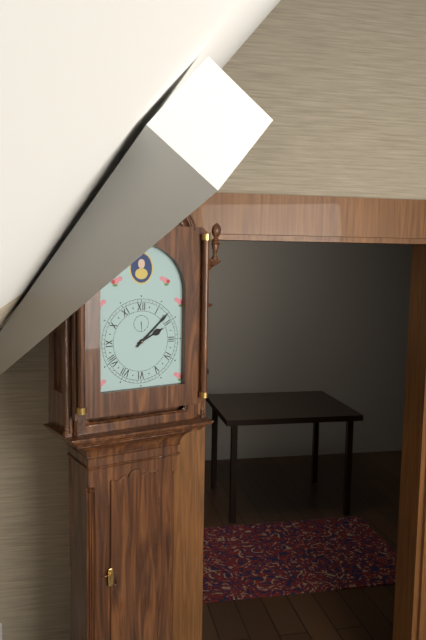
2:08
